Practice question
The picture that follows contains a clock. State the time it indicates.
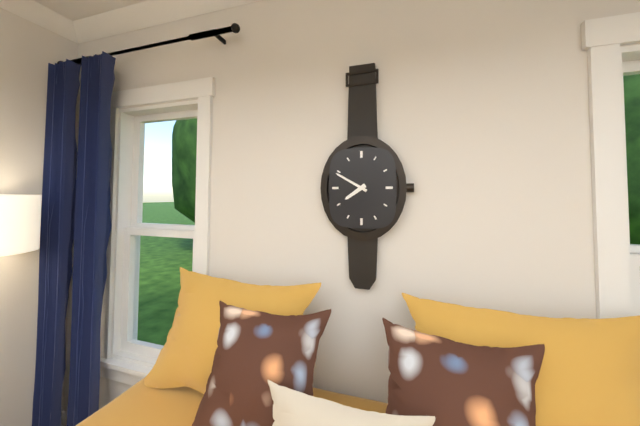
7:50
